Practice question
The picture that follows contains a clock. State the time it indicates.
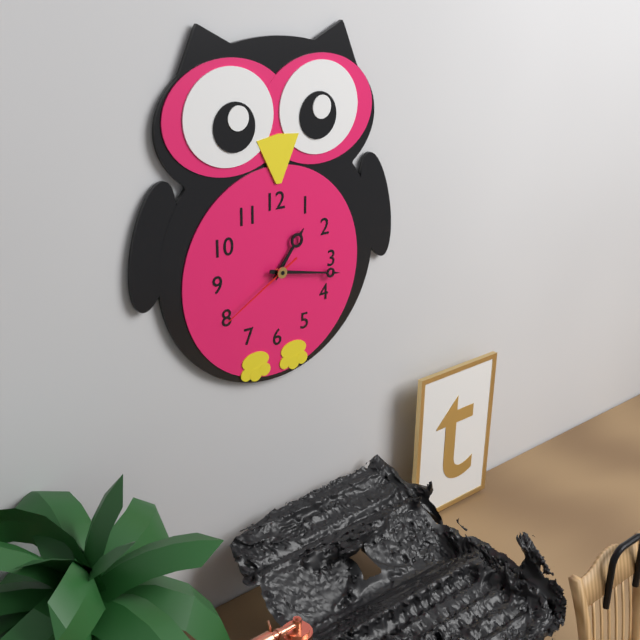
1:17:40
